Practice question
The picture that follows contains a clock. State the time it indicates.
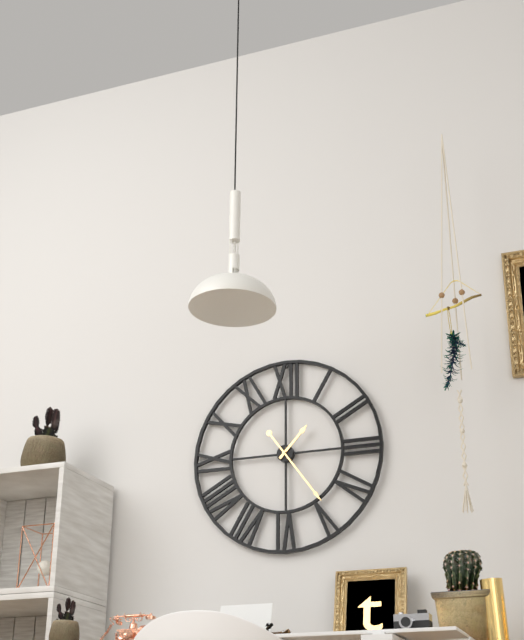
1:24
